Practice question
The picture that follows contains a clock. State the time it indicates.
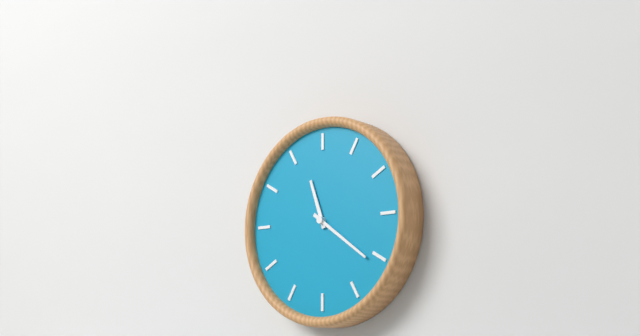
11:21
